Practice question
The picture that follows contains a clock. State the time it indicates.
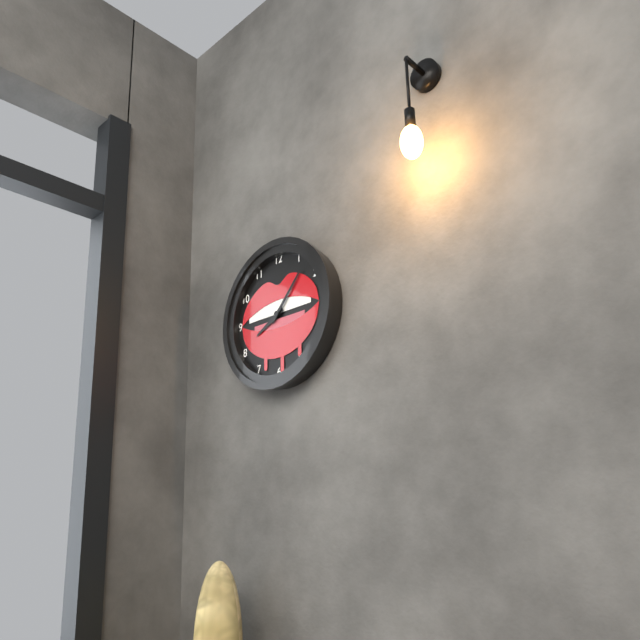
8:07
